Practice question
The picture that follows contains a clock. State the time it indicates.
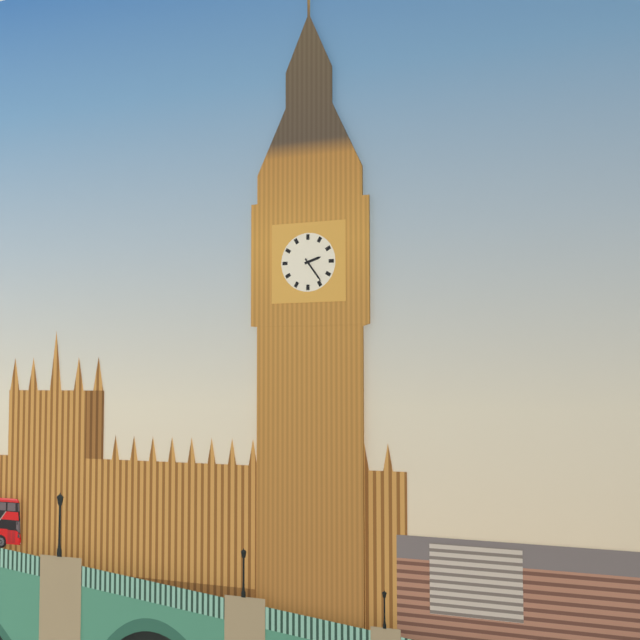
2:24
